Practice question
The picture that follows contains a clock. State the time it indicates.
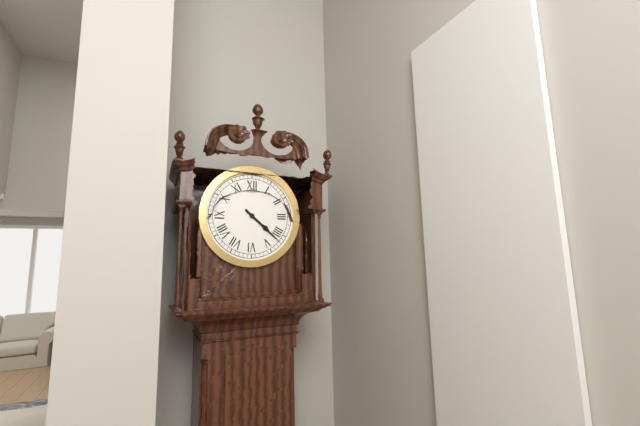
4:22
